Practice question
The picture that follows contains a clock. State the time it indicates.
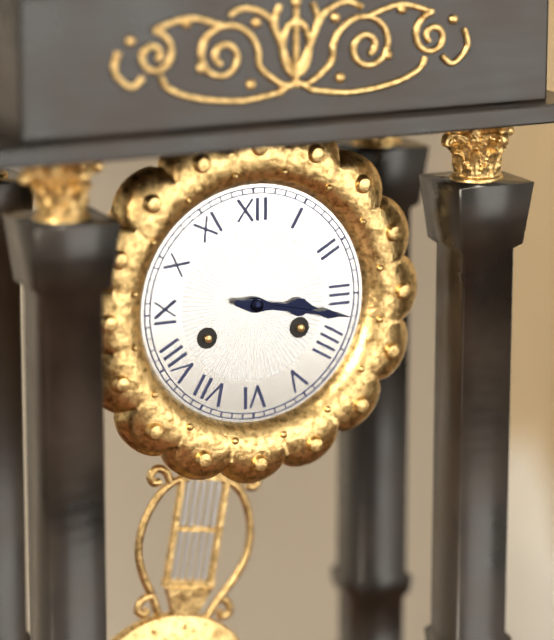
3:17
